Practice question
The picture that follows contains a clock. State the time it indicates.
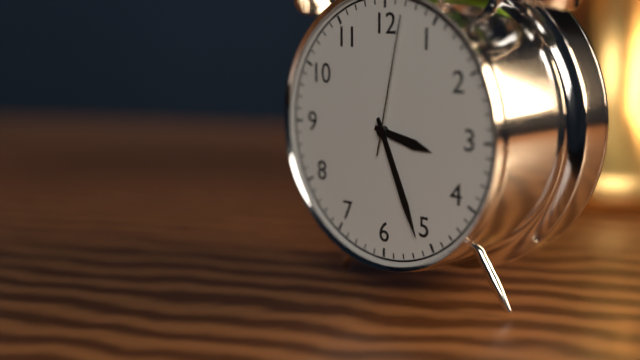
3:26:02
